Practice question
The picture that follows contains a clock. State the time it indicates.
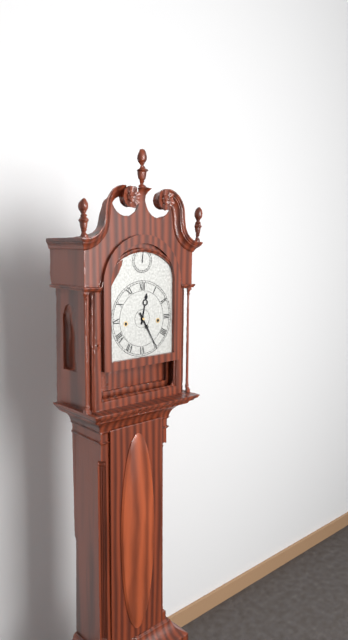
12:25
